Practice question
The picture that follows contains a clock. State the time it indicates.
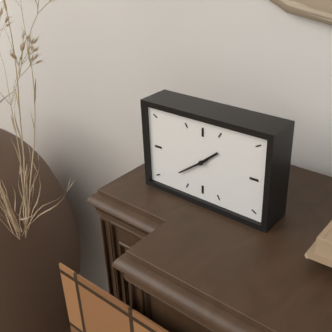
1:39
